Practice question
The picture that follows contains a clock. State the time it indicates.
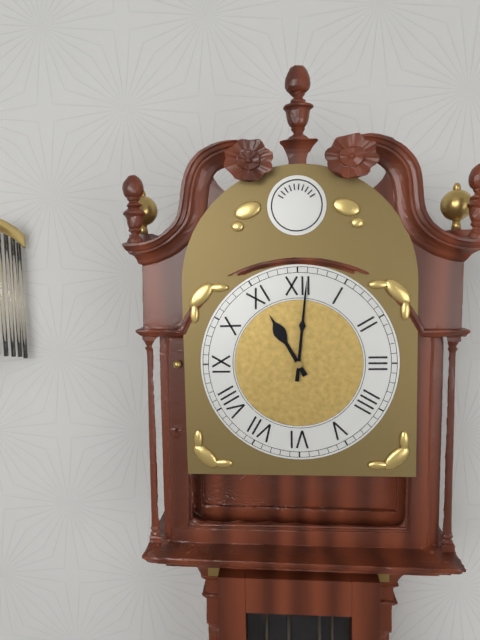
11:01
